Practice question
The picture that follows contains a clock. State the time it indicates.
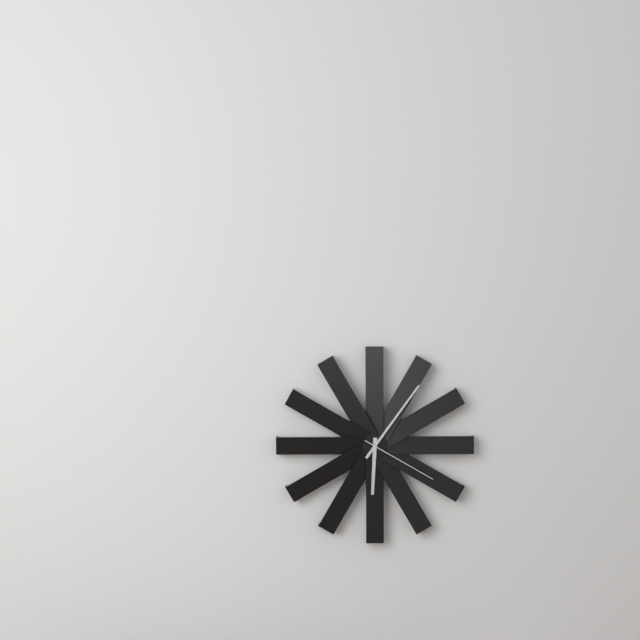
6:06:20
